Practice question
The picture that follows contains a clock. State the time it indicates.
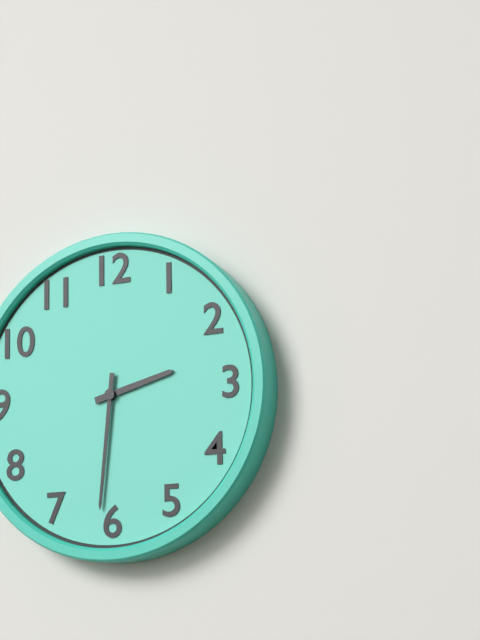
2:31
